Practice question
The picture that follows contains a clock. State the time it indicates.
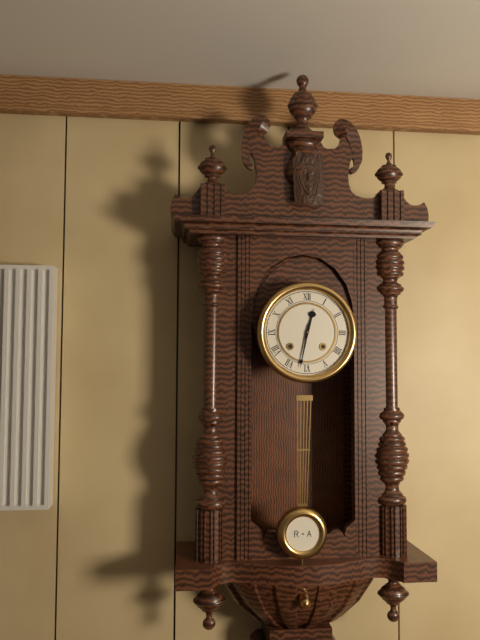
12:32
